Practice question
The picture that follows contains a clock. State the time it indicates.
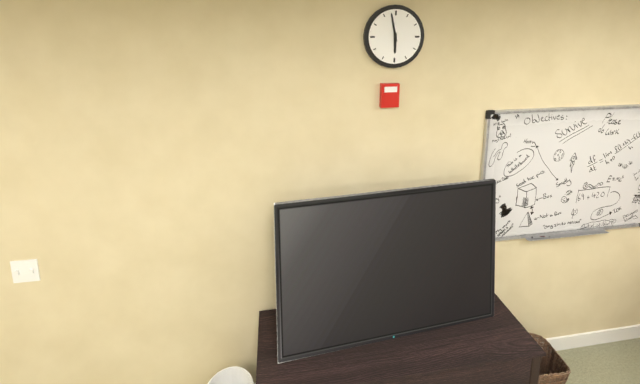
5:58
